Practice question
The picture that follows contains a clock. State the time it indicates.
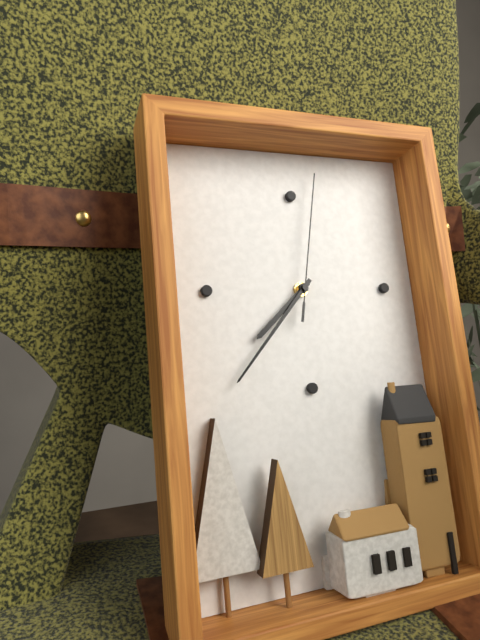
7:37:02
